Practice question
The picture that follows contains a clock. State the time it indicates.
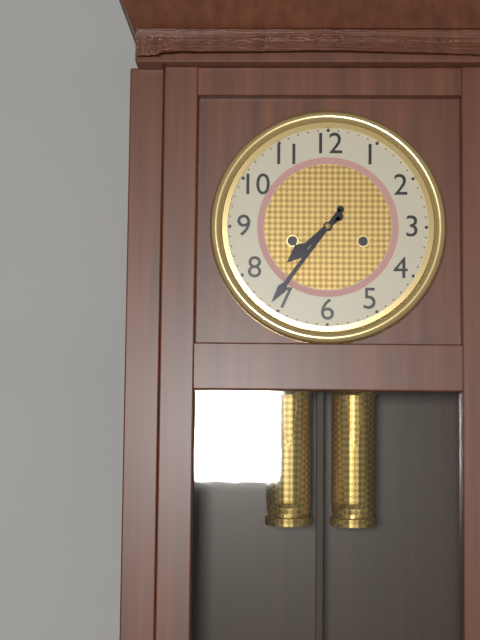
7:36
